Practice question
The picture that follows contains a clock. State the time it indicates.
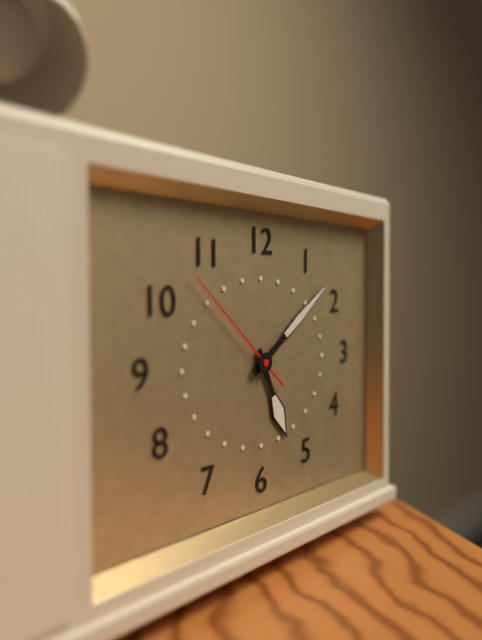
5:09:52
